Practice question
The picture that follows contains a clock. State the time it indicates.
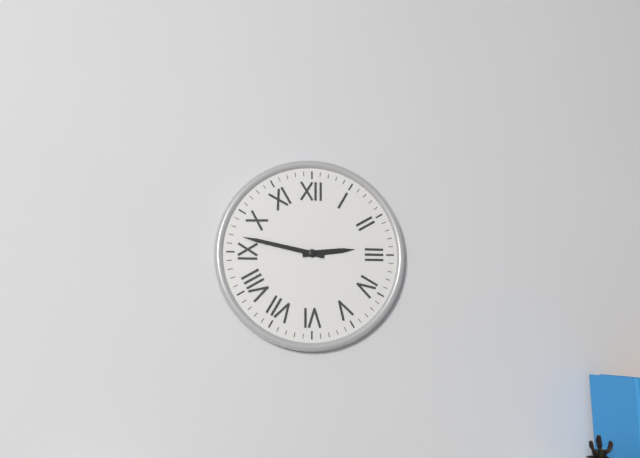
2:47
